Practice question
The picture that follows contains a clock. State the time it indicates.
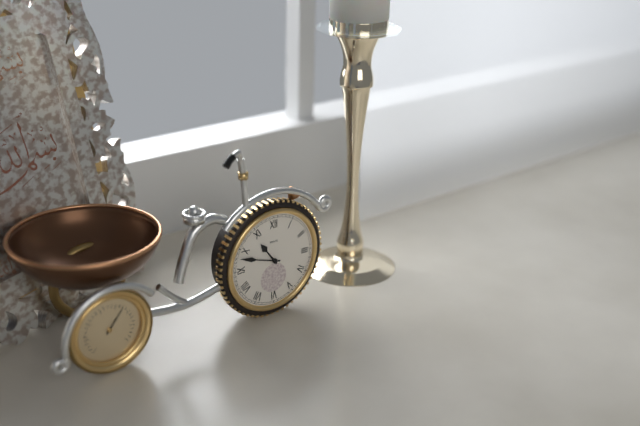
10:48
